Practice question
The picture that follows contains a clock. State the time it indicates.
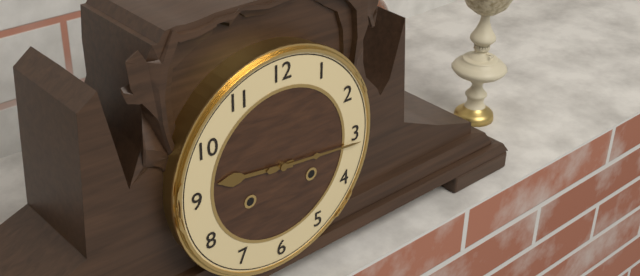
9:16
